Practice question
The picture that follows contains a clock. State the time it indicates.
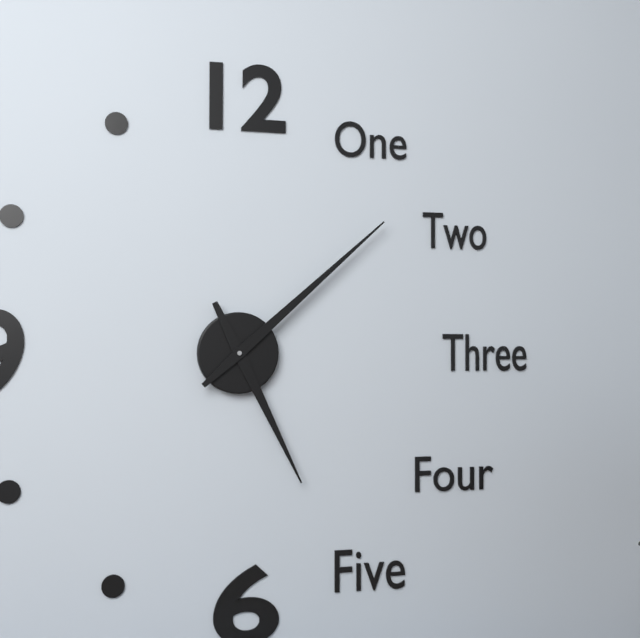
5:08
